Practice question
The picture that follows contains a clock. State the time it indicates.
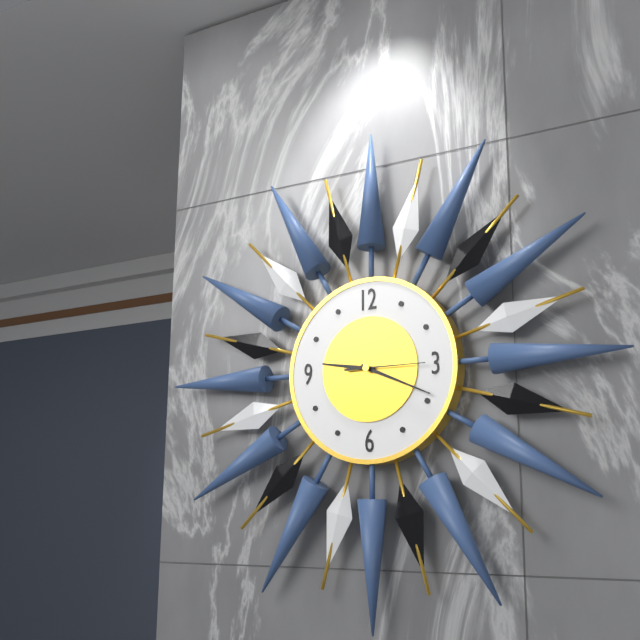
9:19:15
